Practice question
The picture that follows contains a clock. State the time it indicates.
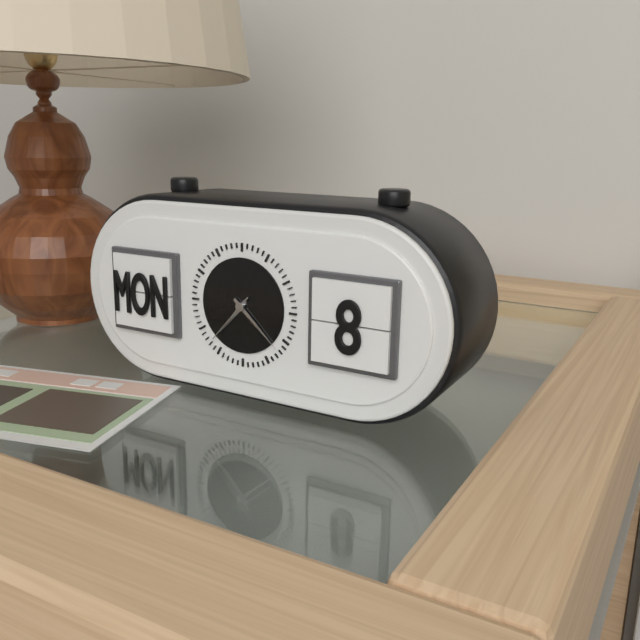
7:22:37
